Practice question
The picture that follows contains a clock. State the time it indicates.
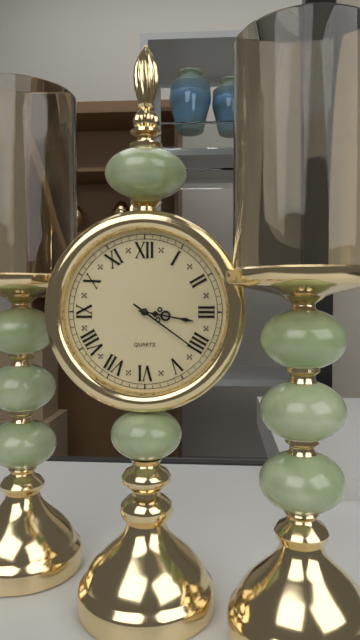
3:21
